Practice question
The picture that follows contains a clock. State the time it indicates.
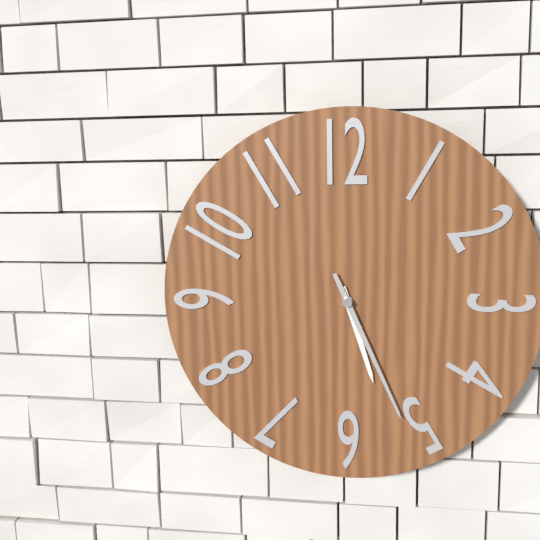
5:26
